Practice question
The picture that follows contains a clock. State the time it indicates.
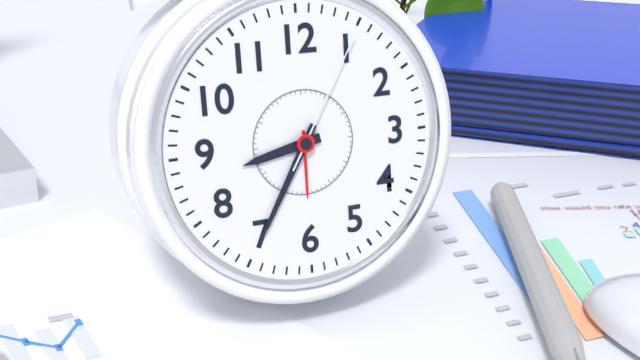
8:35:05
